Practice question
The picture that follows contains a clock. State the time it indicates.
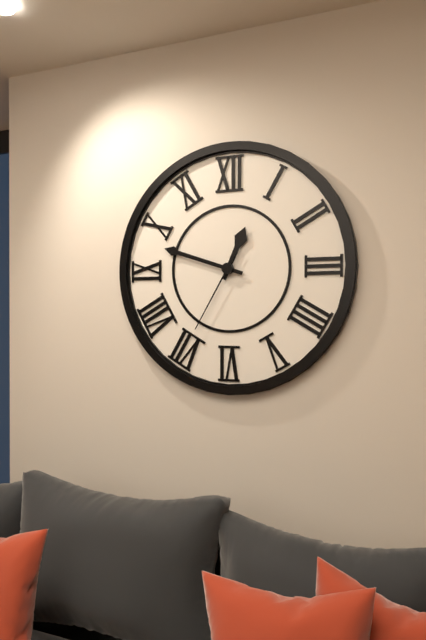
12:48:35
